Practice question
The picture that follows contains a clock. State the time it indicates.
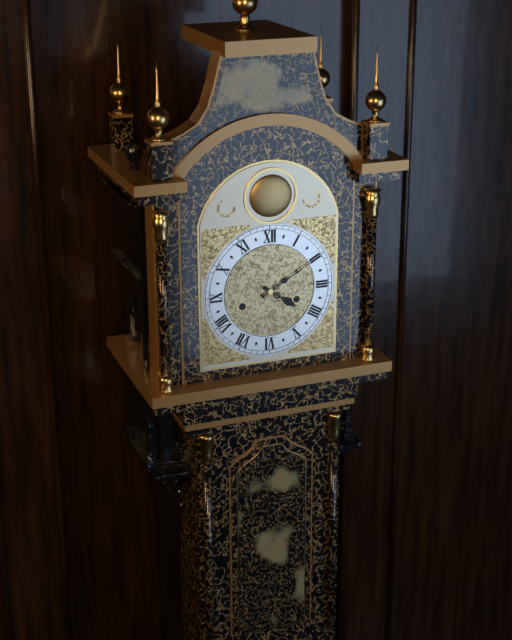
4:10
